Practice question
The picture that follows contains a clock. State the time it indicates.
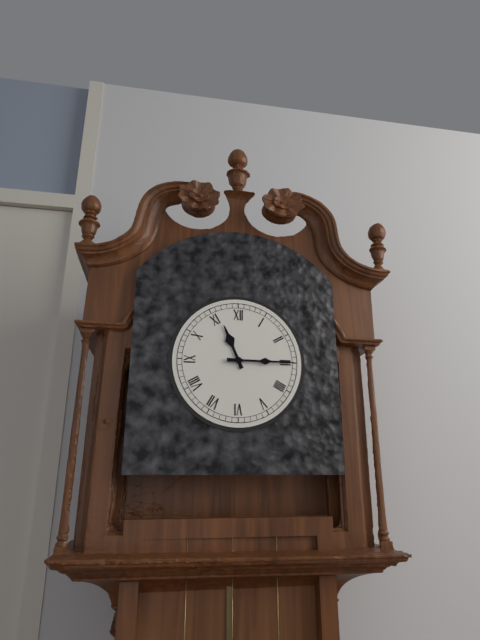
11:15
